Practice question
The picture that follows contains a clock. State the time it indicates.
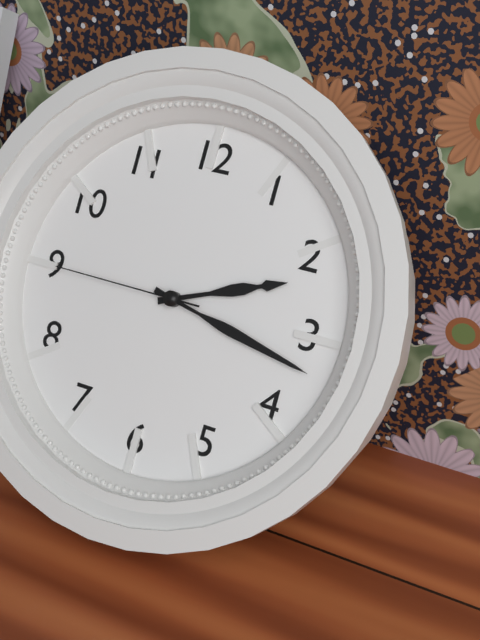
2:17:45
